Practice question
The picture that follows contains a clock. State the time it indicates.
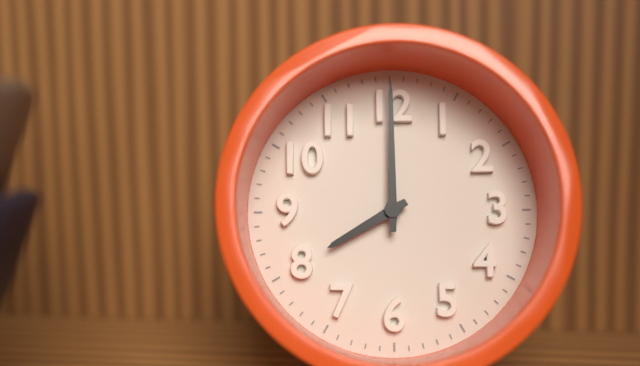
8:00
